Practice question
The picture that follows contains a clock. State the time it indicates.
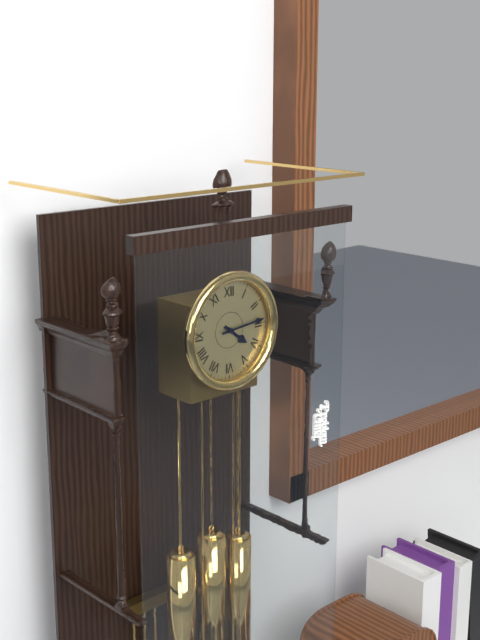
4:14
